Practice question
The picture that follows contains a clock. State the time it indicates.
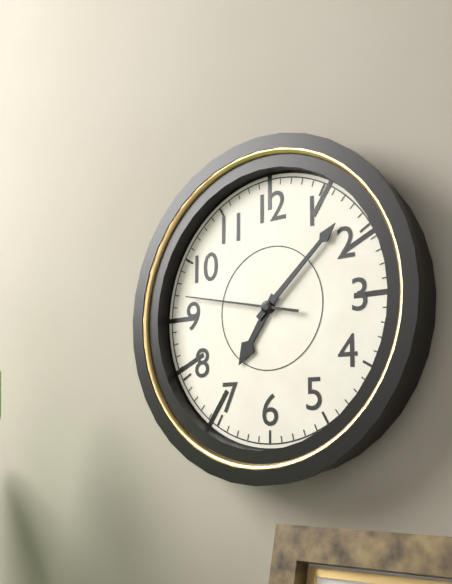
7:08:47
